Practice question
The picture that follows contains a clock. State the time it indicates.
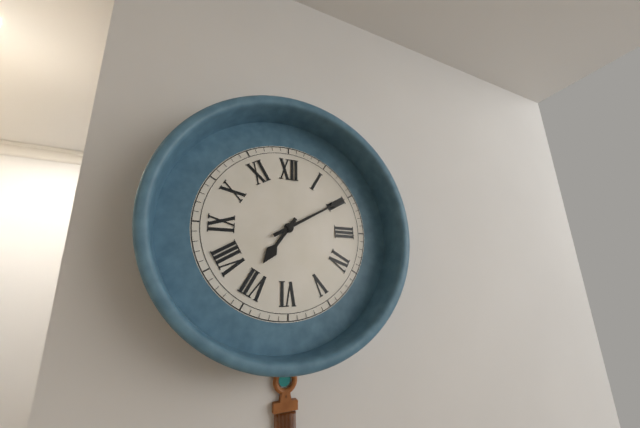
7:10
